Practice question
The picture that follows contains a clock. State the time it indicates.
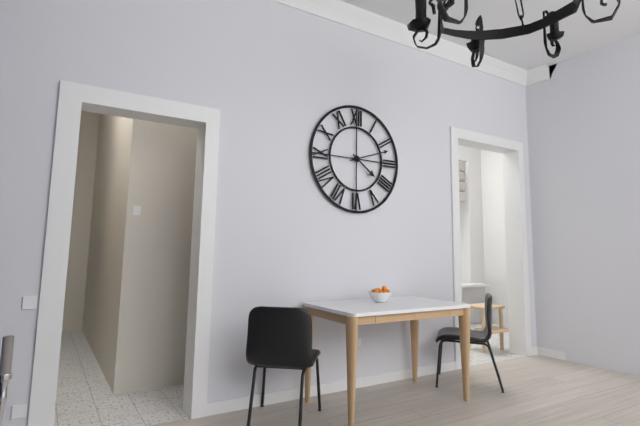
4:12
